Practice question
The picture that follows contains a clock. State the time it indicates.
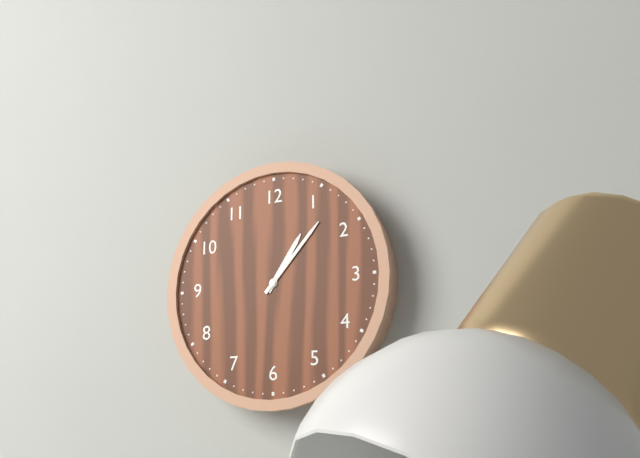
1:07
